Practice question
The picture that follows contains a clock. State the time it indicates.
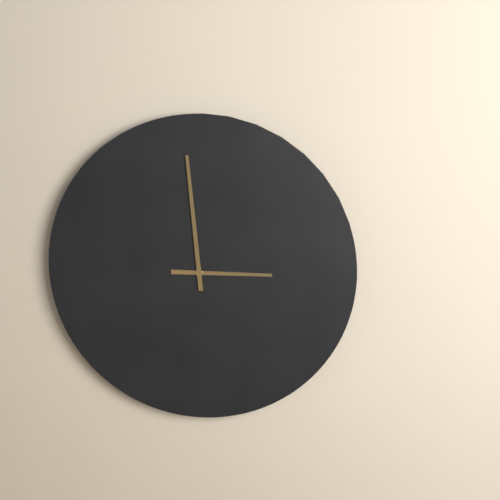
2:59
